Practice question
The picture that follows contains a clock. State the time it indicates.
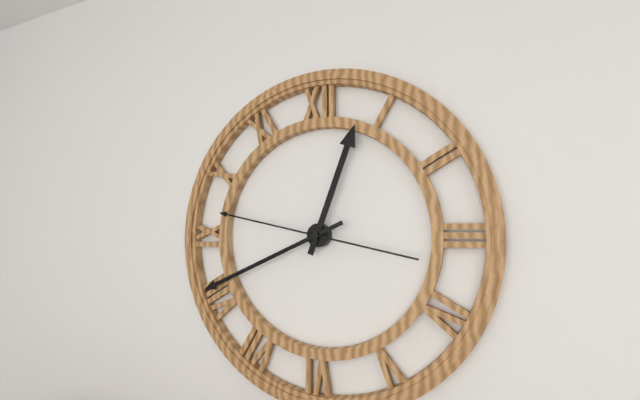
12:41:47
